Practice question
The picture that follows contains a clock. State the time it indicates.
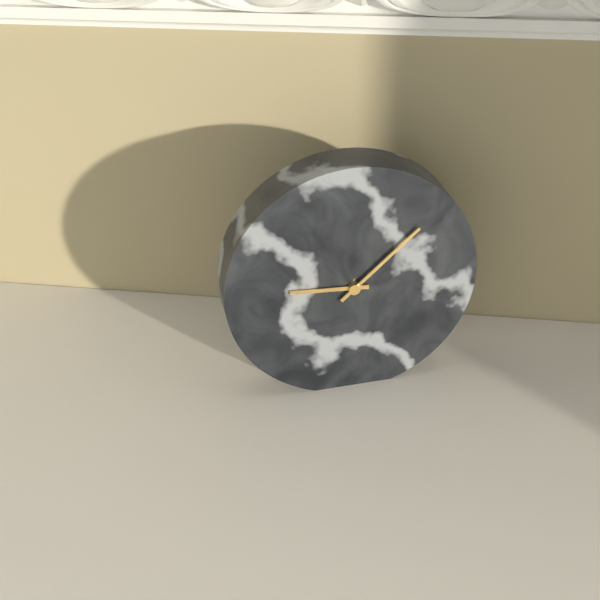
9:08
